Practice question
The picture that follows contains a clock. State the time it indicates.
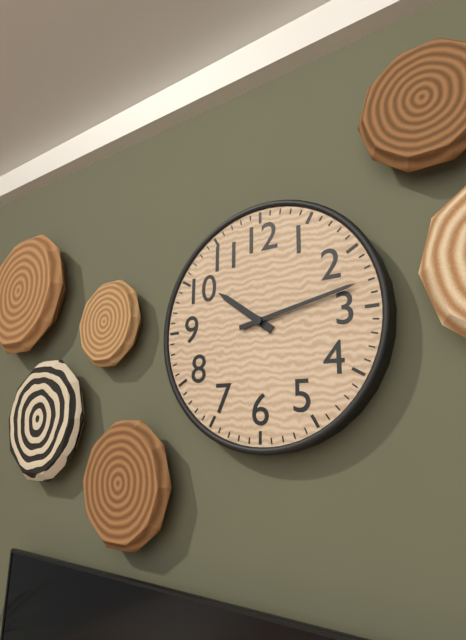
10:13
